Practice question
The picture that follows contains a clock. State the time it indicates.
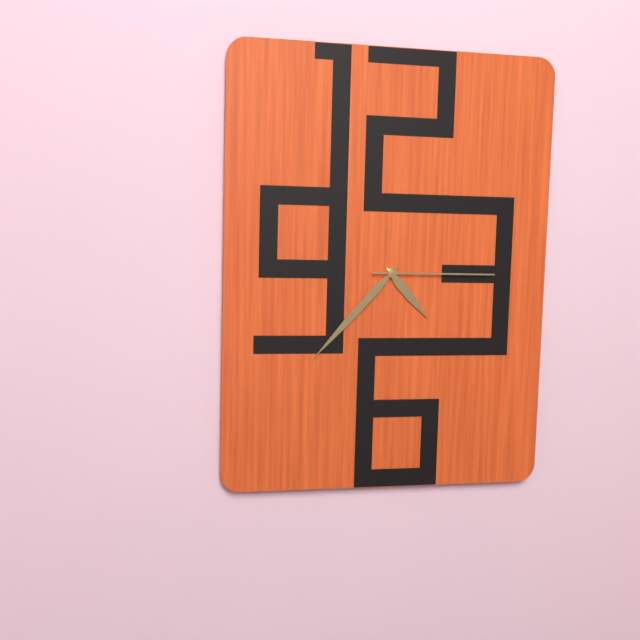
4:37:15
